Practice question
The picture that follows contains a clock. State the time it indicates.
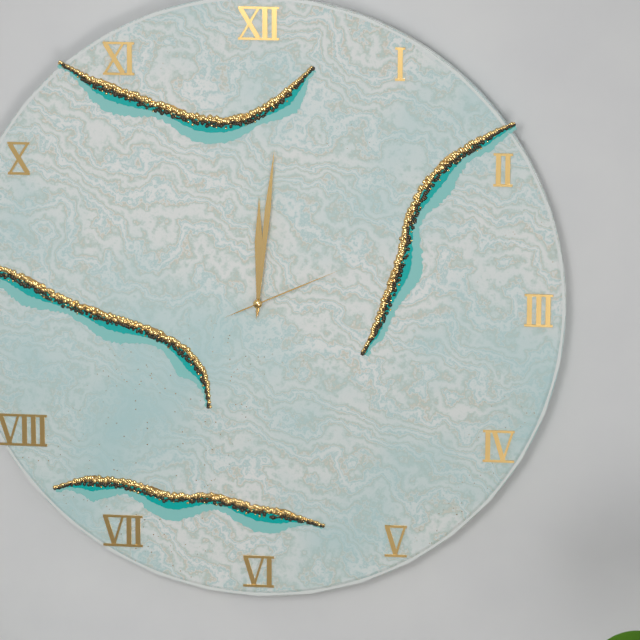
12:01:11
